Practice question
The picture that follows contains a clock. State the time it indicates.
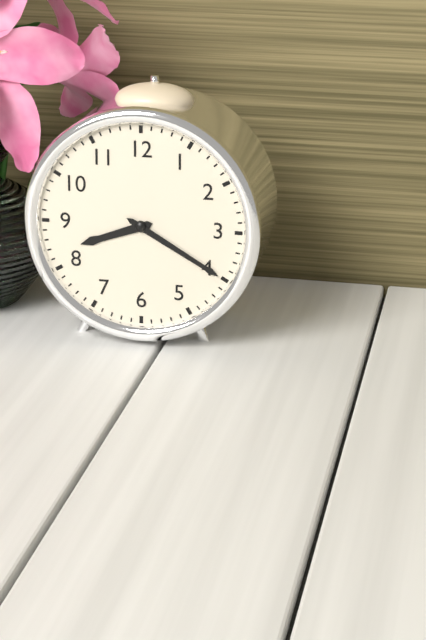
8:20
